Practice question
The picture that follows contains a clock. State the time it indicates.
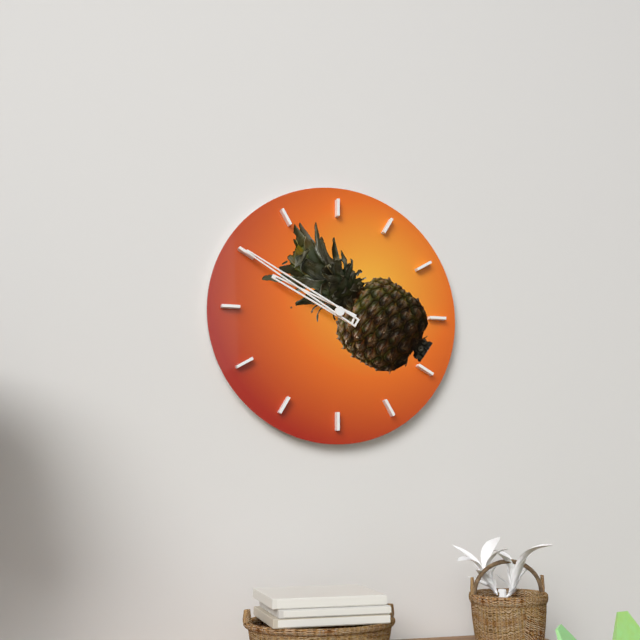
9:50
